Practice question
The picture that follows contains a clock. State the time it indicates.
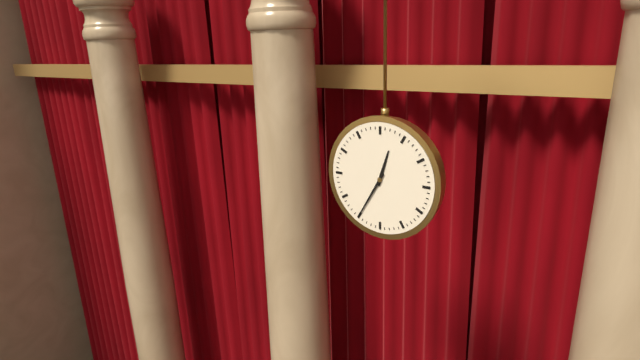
12:35
